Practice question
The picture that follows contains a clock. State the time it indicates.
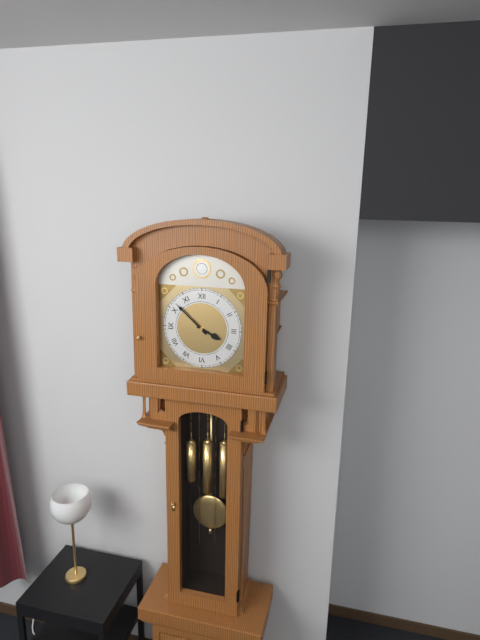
3:52
